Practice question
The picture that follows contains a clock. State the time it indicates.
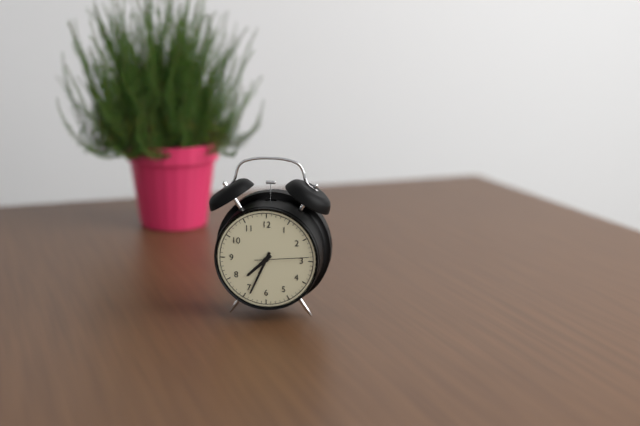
7:34:14
